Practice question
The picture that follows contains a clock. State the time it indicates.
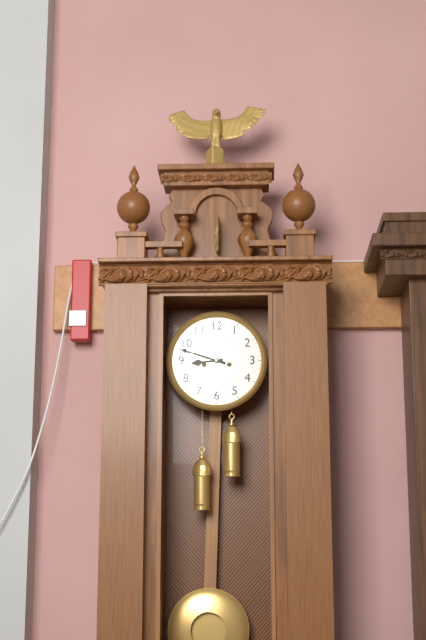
8:48
